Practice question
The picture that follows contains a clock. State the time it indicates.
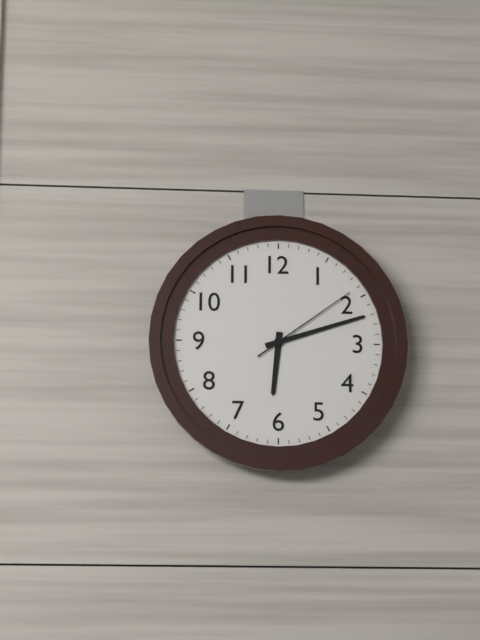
6:12:09
